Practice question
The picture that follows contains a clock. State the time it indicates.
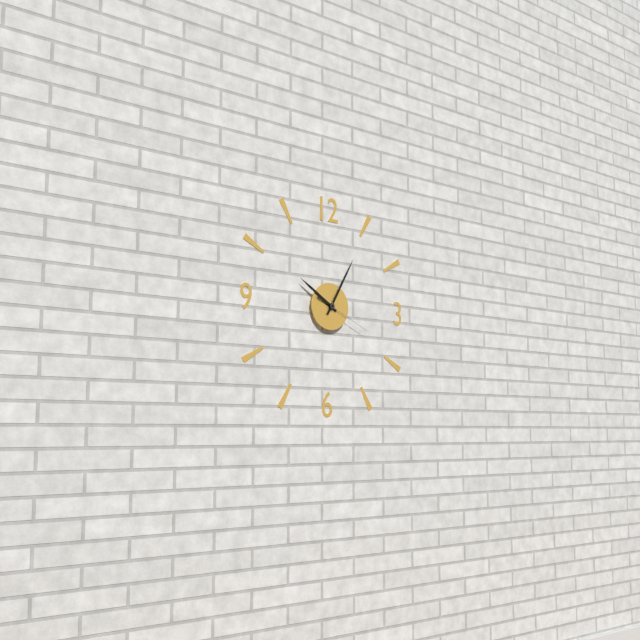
10:05:19
